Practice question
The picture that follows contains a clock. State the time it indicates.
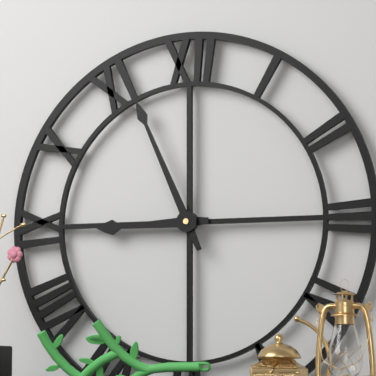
8:56
